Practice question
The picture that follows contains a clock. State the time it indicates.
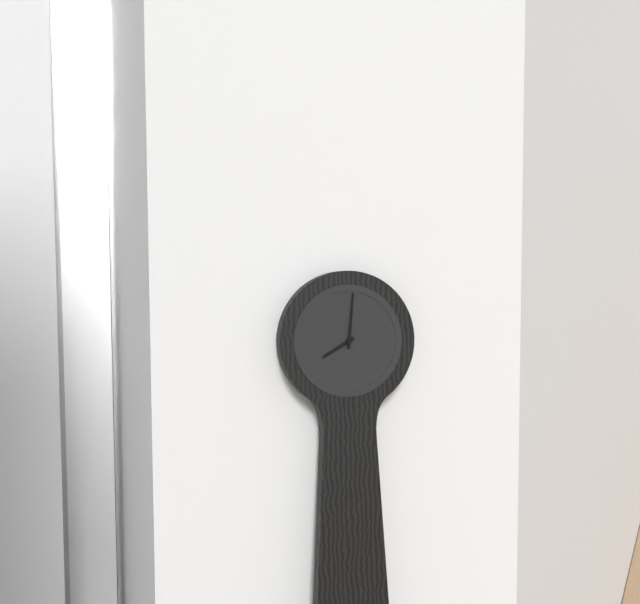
8:01
